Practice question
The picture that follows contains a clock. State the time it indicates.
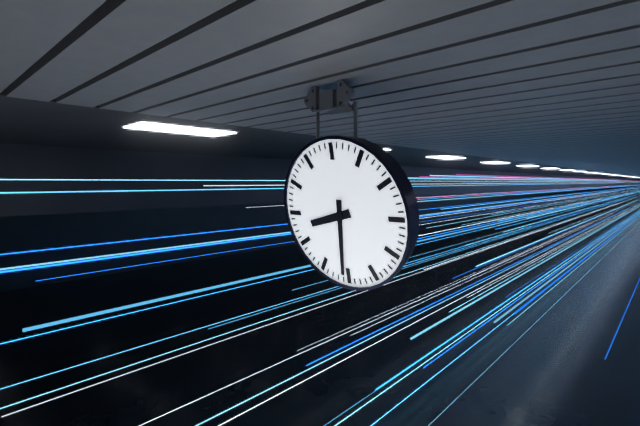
8:31
